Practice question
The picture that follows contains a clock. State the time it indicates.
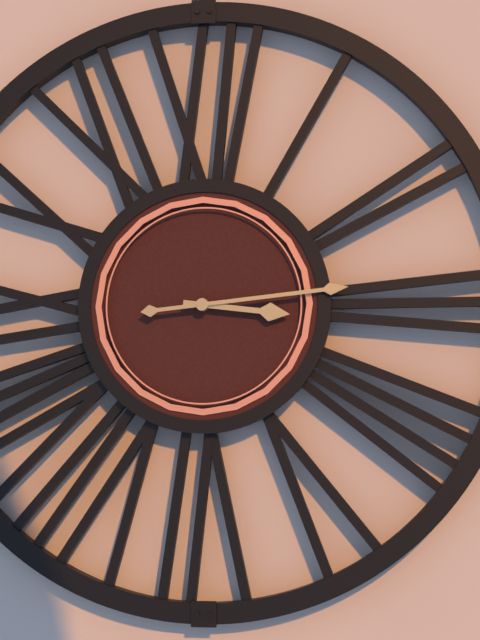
3:14
